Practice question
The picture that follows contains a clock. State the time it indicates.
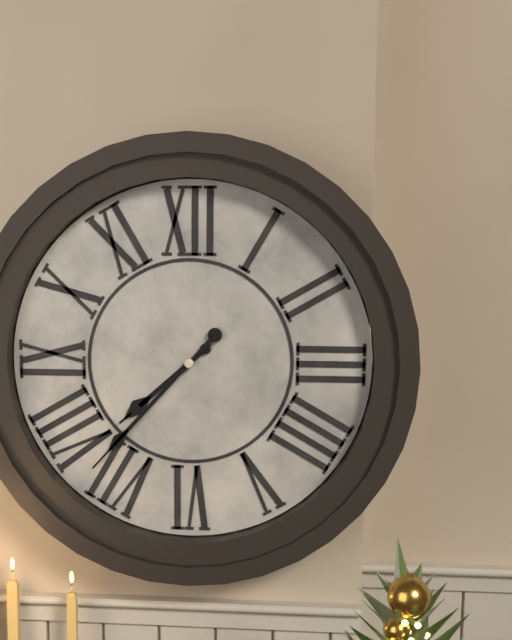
7:37
